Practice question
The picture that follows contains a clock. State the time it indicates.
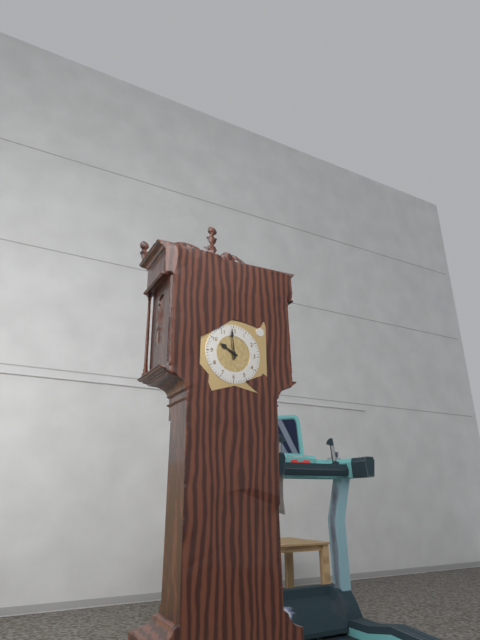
9:59
